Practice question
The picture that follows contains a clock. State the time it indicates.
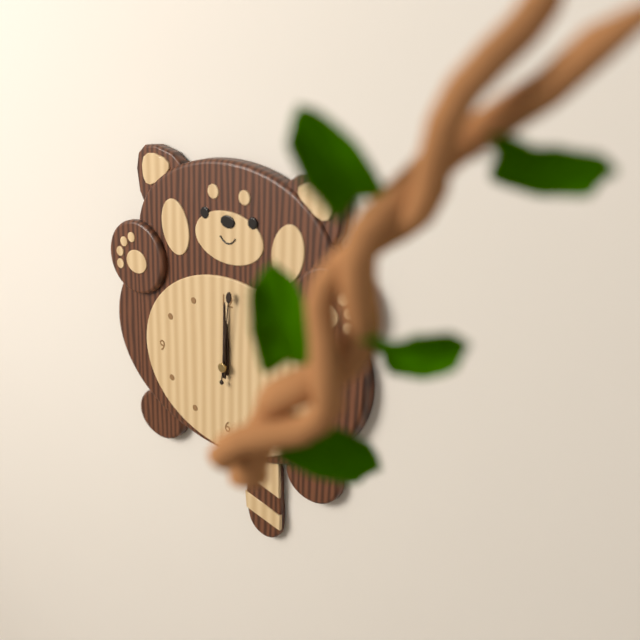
12:00:01
